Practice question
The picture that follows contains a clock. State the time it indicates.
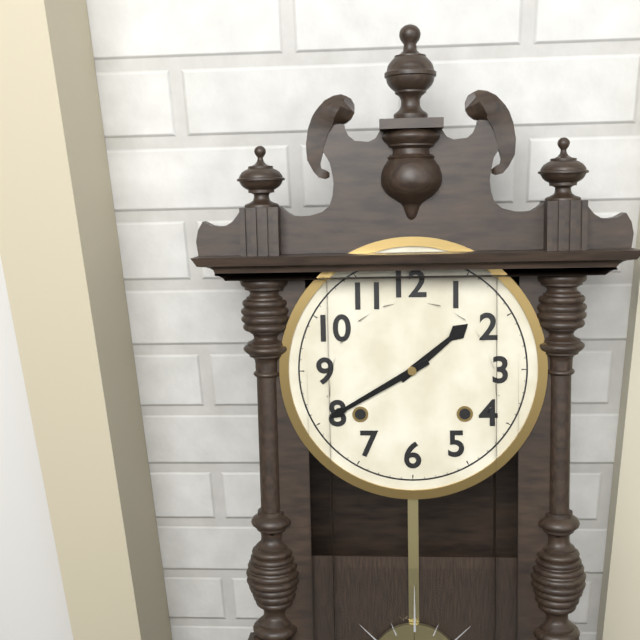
1:40
